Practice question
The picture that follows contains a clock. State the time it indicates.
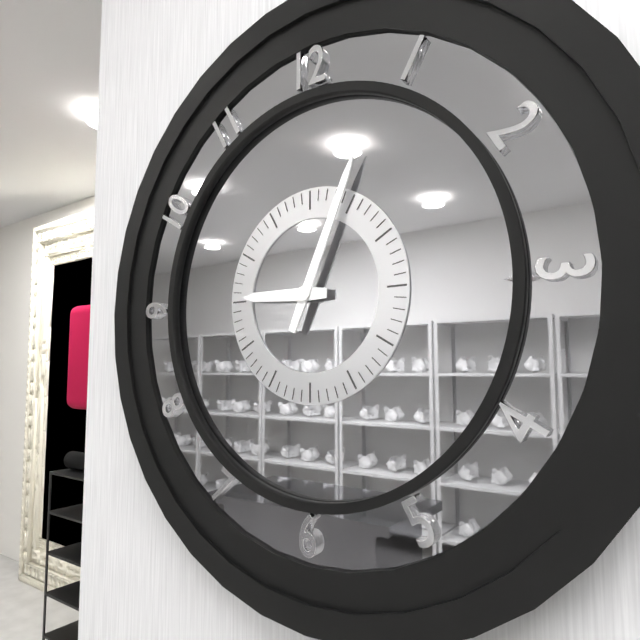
9:04
